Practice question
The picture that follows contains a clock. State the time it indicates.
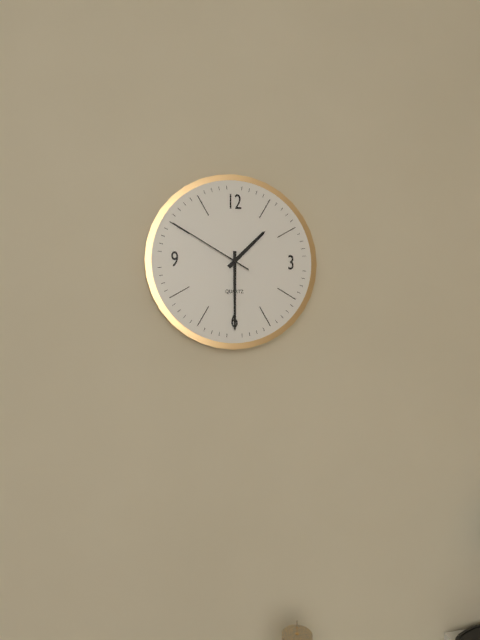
1:30:50
